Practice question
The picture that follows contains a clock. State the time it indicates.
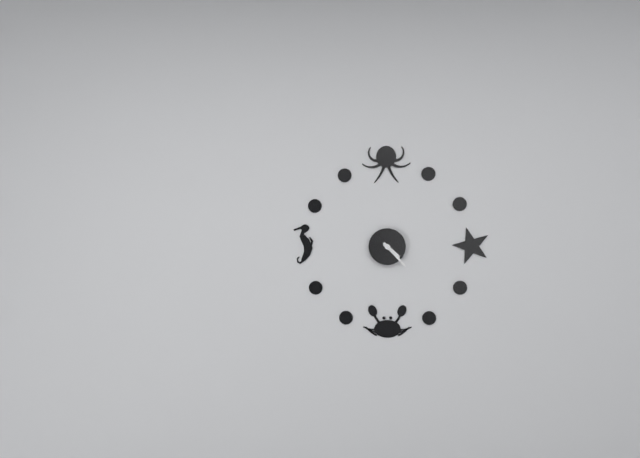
4:23
